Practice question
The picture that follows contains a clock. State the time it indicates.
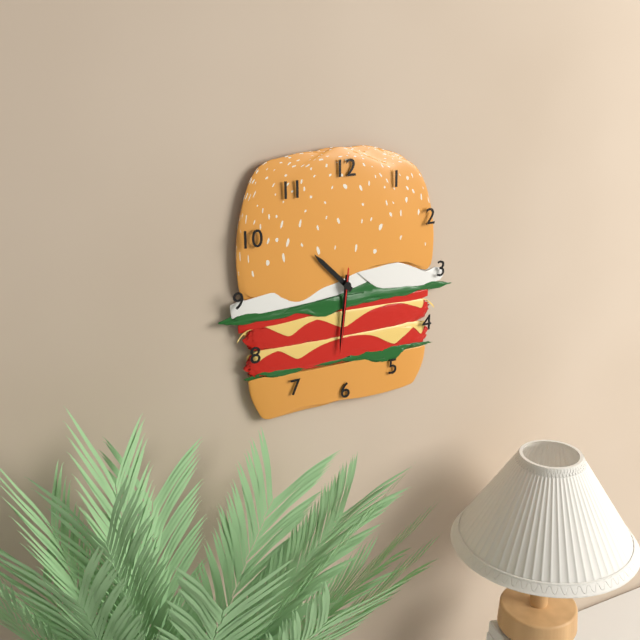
10:31:31
